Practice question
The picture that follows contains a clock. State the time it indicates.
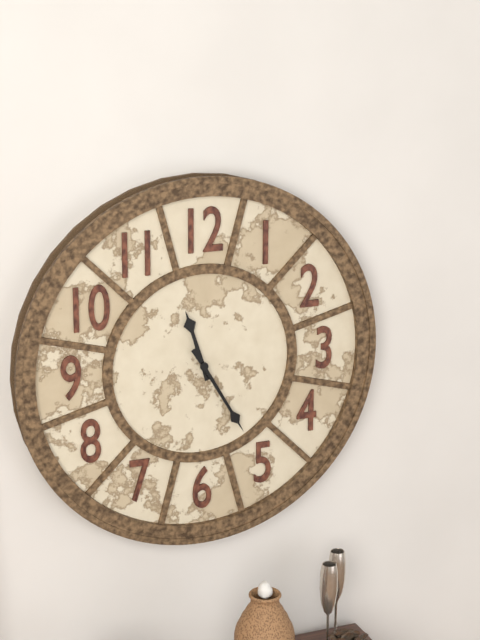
11:25
